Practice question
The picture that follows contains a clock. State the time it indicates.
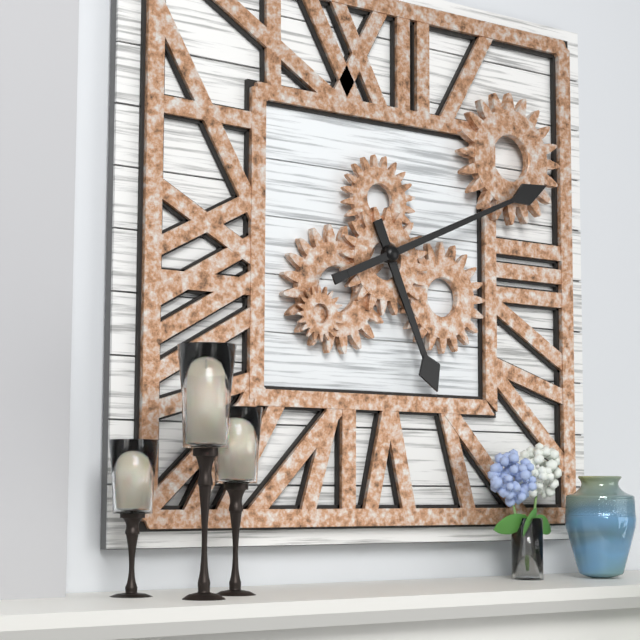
5:11
